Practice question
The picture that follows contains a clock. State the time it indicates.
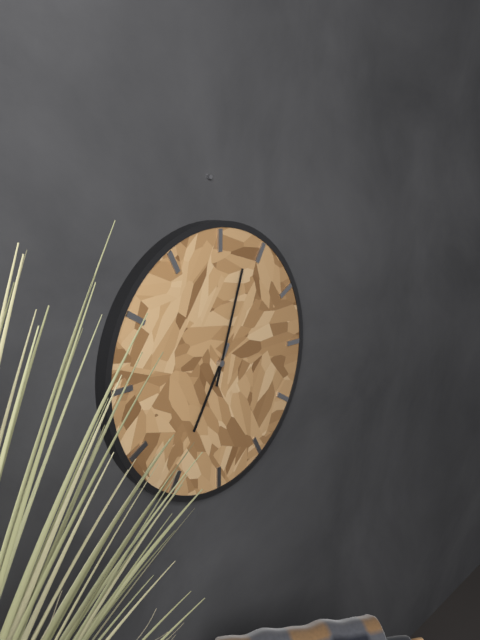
7:03
